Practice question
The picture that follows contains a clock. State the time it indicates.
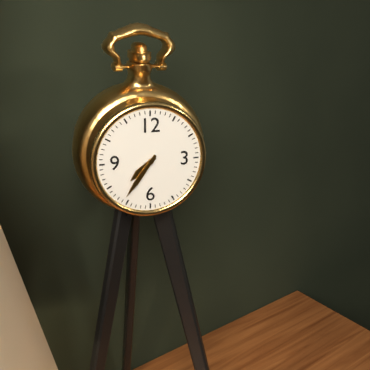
7:36
